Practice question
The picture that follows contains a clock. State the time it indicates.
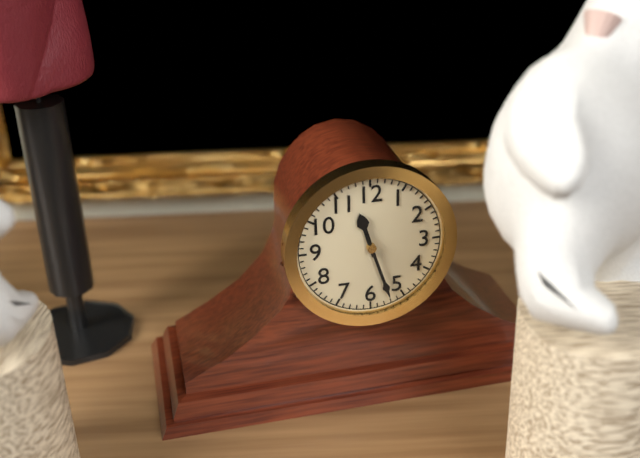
11:27
